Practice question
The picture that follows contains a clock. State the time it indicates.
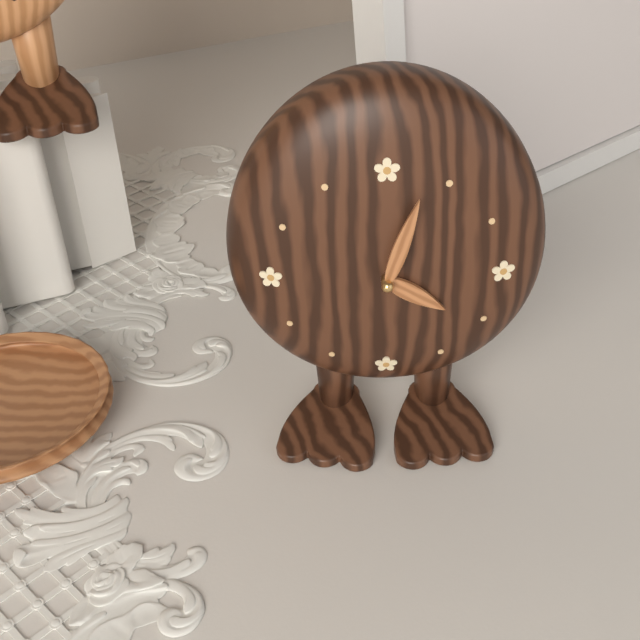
4:03
